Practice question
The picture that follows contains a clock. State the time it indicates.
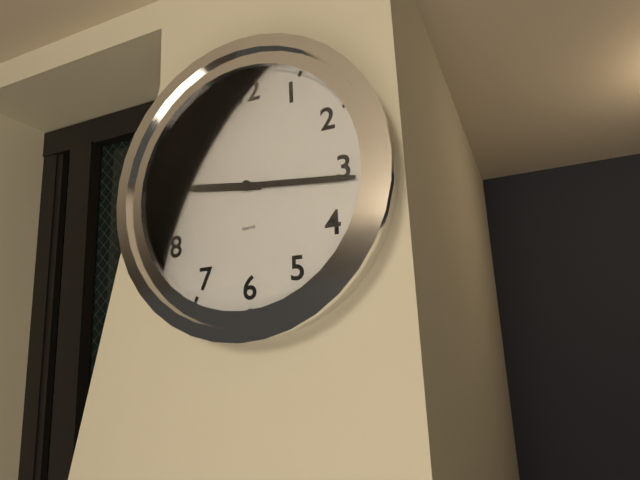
9:16
